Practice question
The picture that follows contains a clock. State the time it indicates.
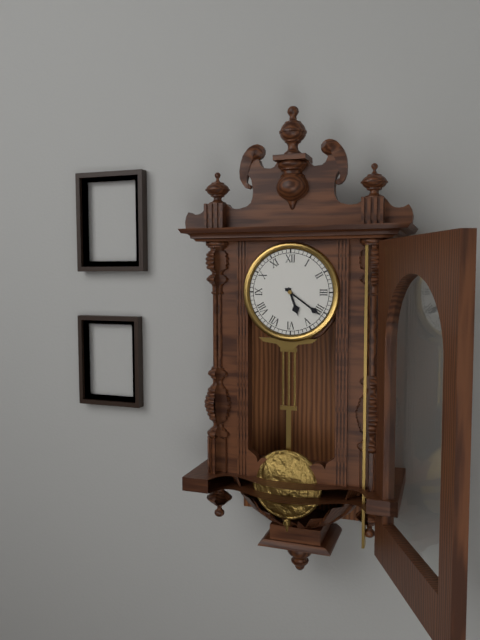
5:21
